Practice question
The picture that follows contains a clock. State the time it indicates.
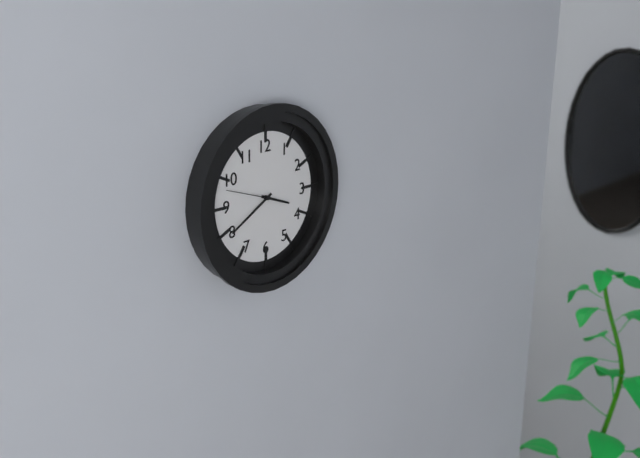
3:40:48
